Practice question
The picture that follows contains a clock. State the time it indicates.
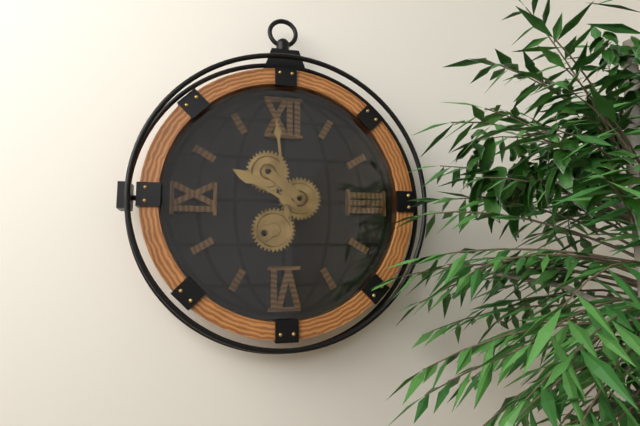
9:59
